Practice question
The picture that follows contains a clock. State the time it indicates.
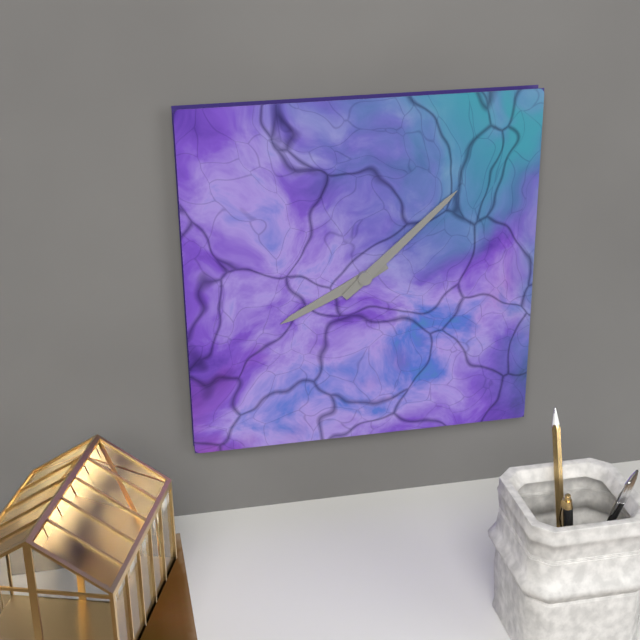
8:08
